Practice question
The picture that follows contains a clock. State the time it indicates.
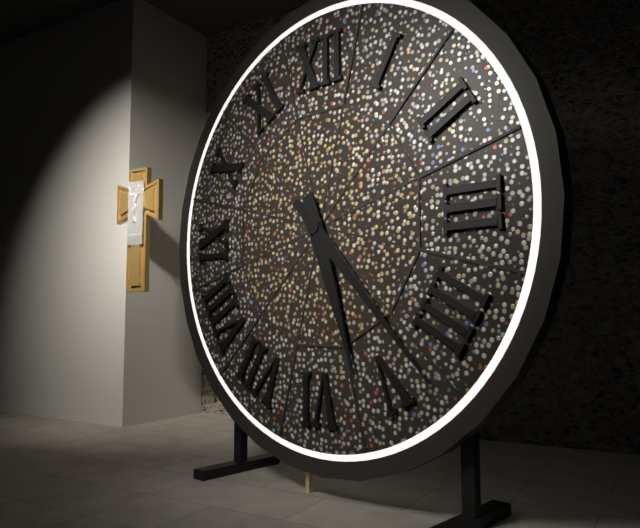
5:23
